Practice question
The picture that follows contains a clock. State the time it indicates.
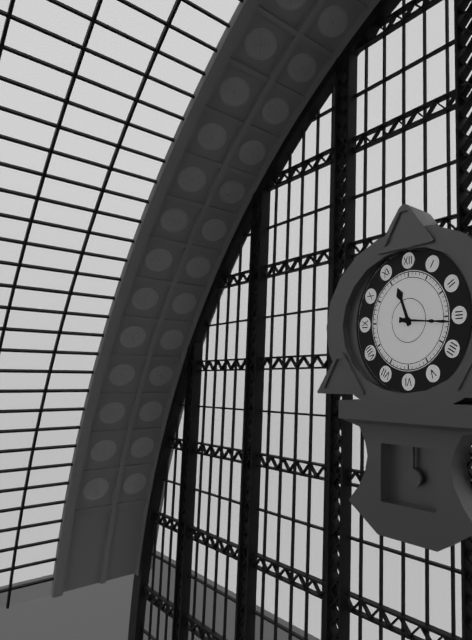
11:16
